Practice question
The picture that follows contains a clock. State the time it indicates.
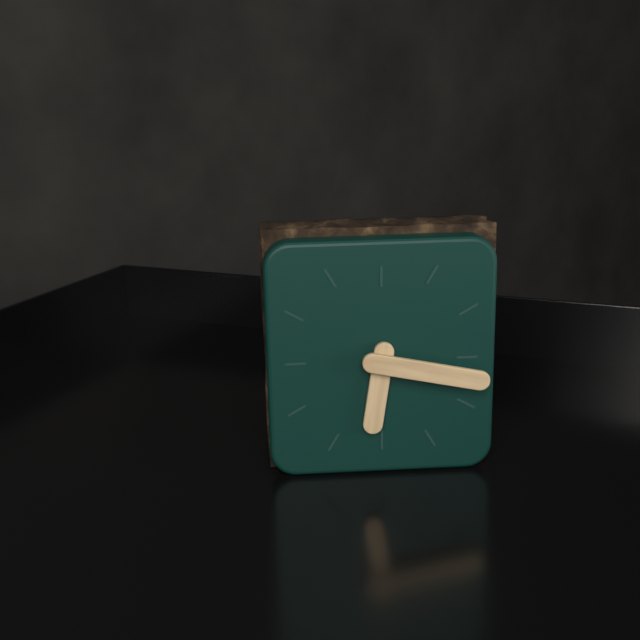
6:17
